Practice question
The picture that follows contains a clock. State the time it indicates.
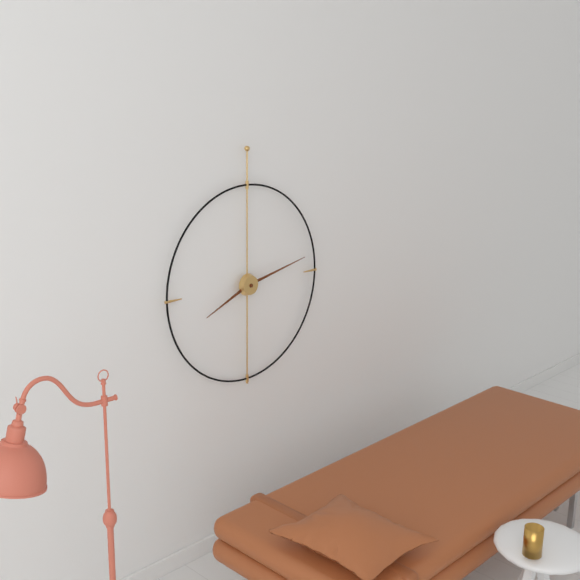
8:13
